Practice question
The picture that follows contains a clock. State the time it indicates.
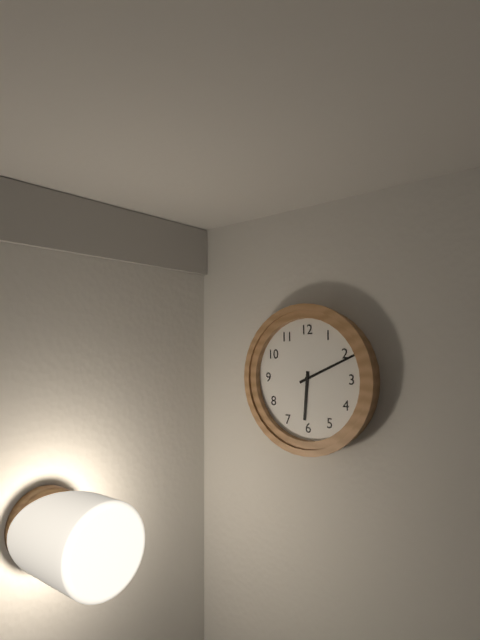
6:11
